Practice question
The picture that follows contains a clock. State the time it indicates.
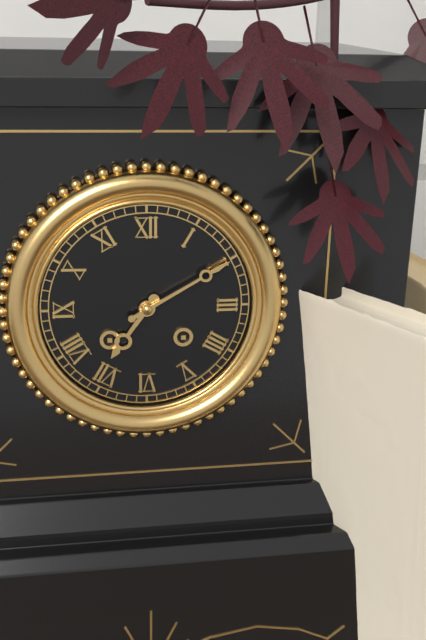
7:10
